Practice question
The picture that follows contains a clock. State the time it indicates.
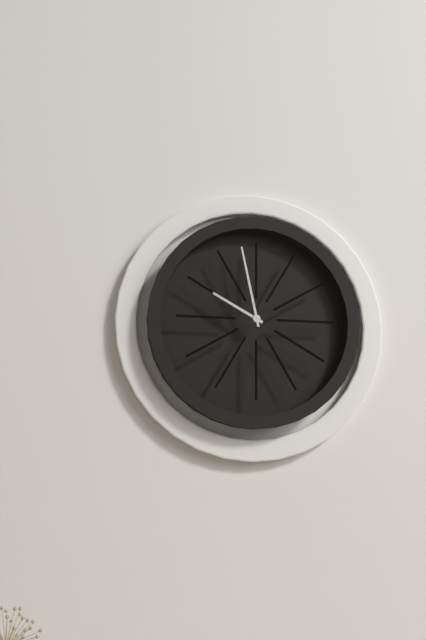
9:58
